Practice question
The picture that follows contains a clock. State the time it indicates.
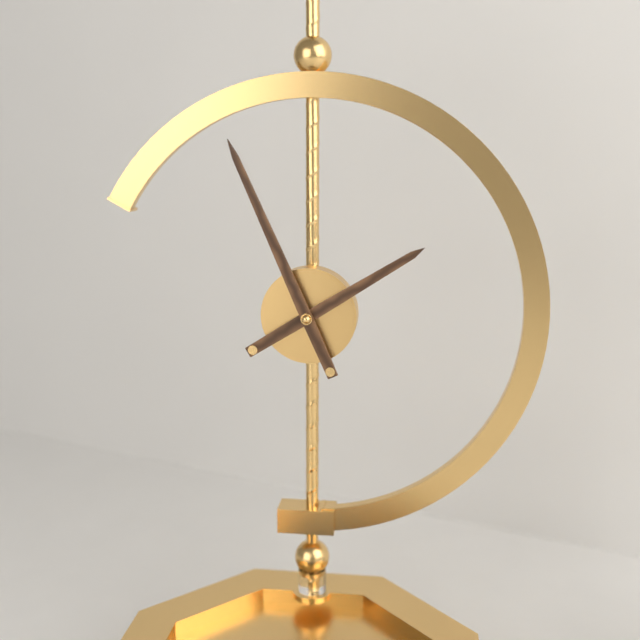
1:56
